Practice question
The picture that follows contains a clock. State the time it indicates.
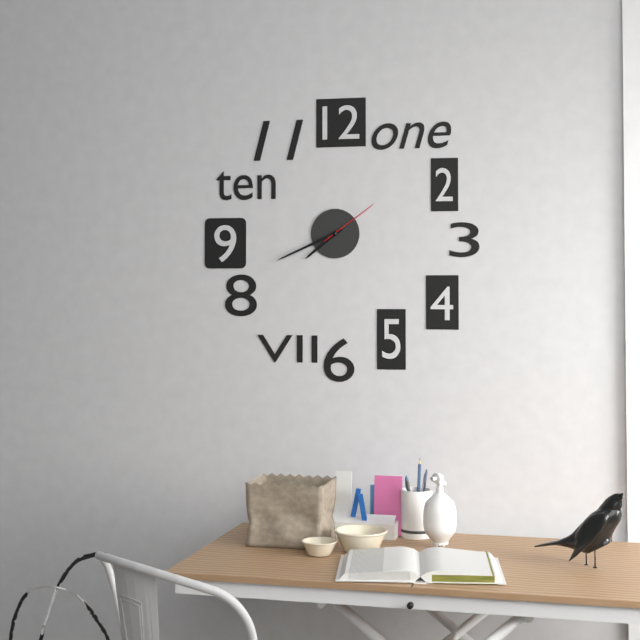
7:41:09
